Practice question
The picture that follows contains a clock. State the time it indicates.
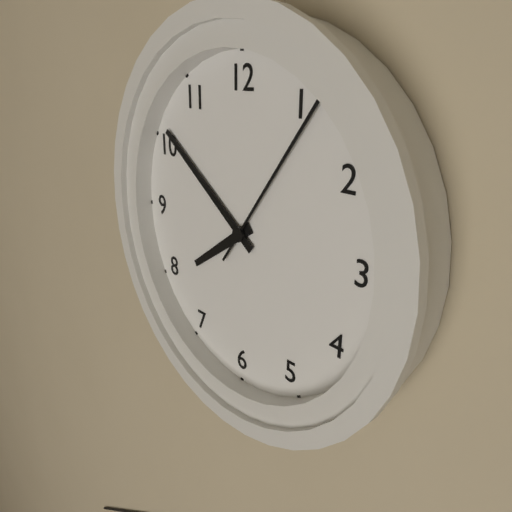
7:51:06
